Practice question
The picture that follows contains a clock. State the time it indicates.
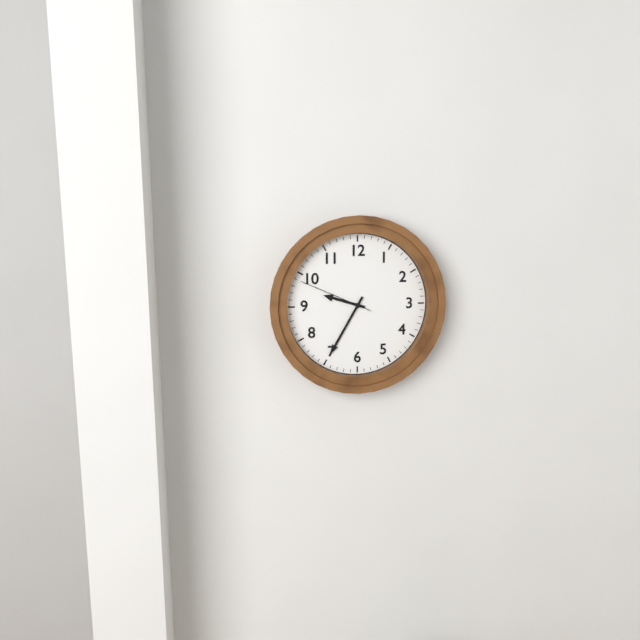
9:35:49
